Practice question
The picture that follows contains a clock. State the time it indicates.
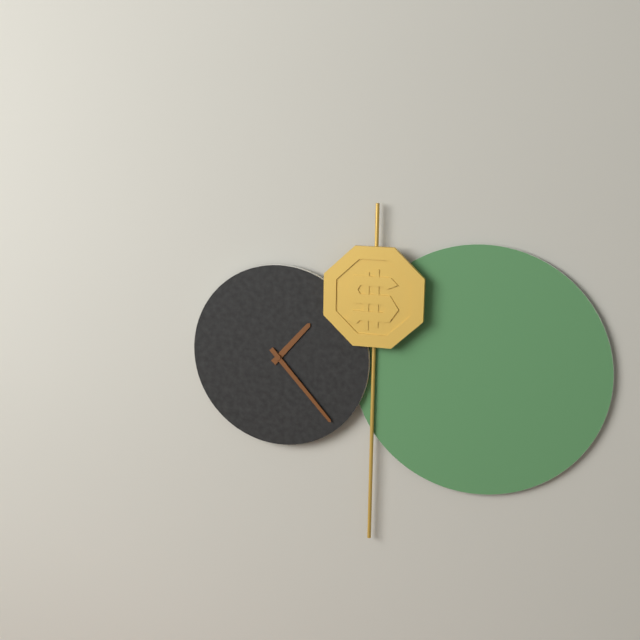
1:23
